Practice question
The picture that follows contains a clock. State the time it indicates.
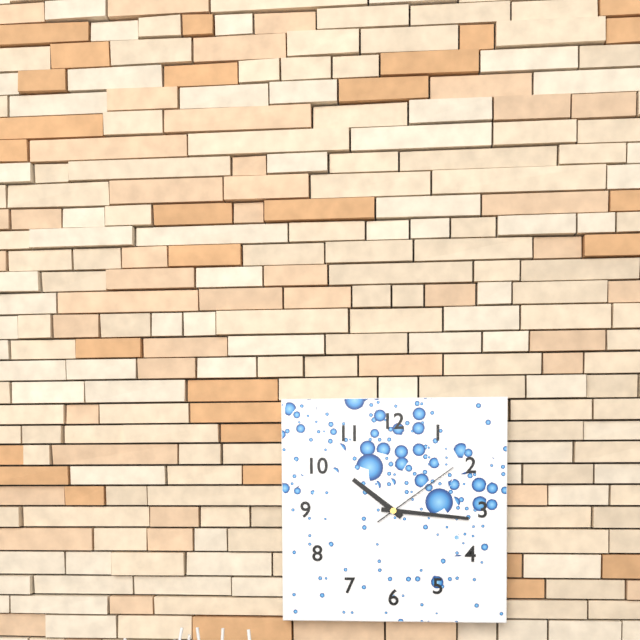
10:16:09
